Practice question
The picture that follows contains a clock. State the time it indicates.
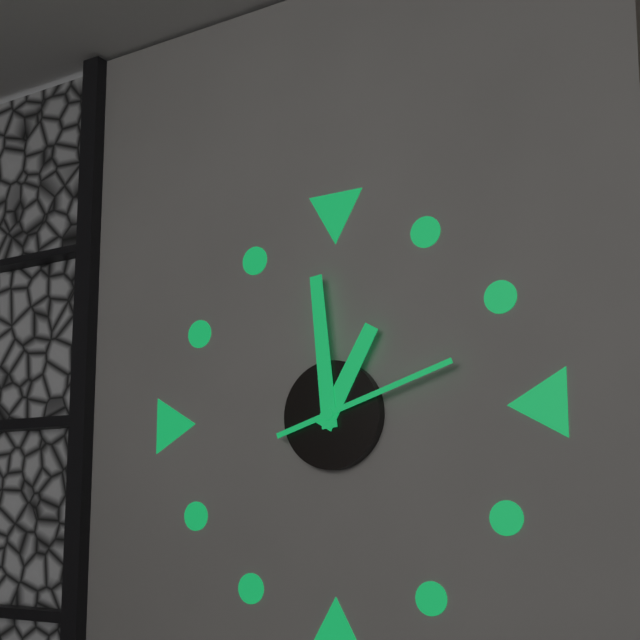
12:59:12
